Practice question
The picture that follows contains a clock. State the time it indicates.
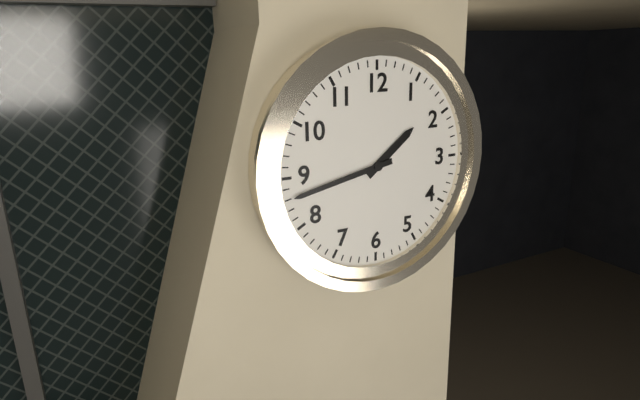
1:43
